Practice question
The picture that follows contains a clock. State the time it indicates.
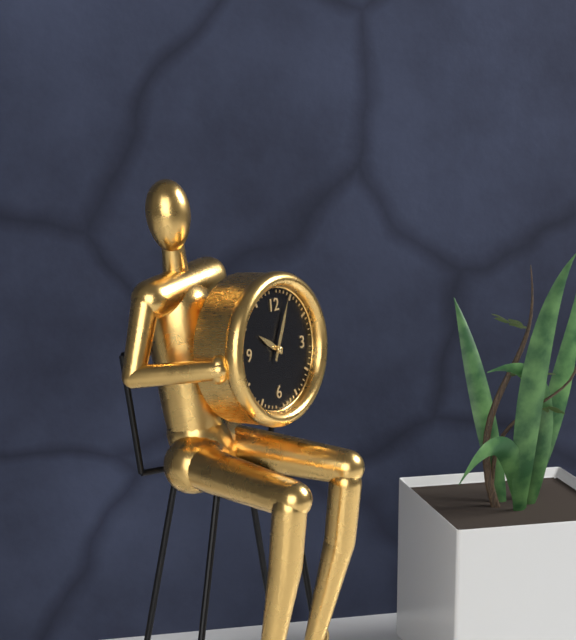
10:04
